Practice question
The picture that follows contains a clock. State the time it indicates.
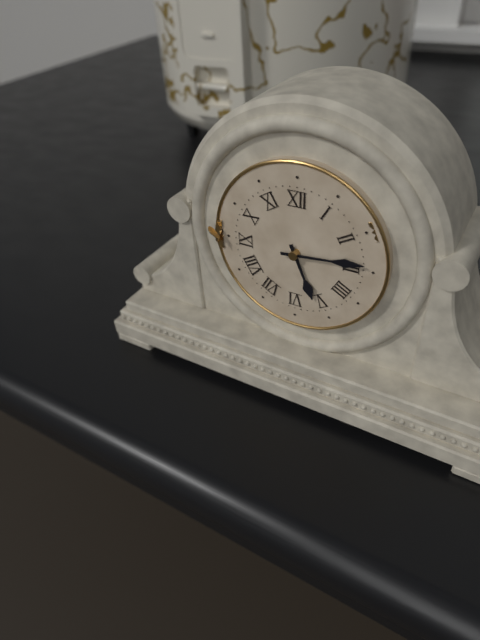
5:14
